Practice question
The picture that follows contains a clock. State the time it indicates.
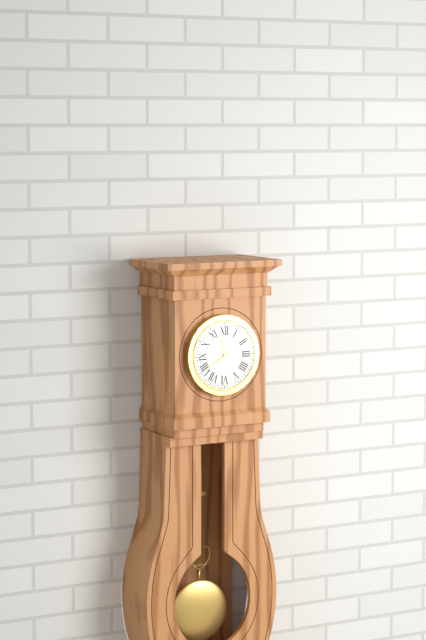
11:40
